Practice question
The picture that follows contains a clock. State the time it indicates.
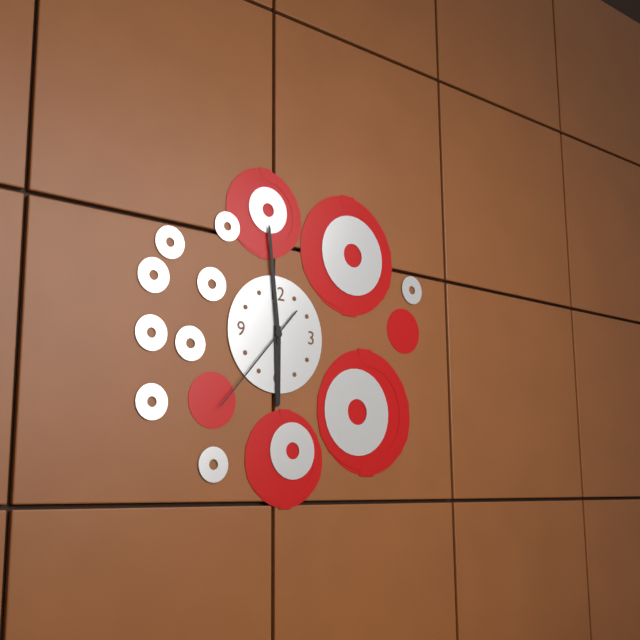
5:59:37
